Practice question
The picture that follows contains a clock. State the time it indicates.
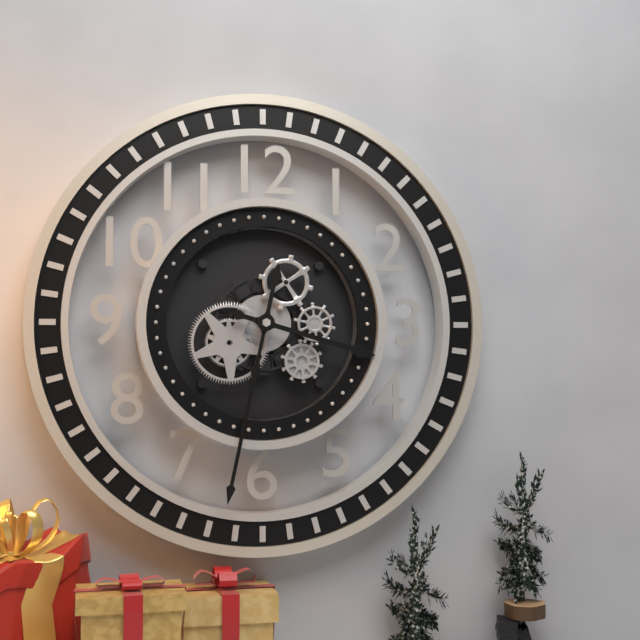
3:32
